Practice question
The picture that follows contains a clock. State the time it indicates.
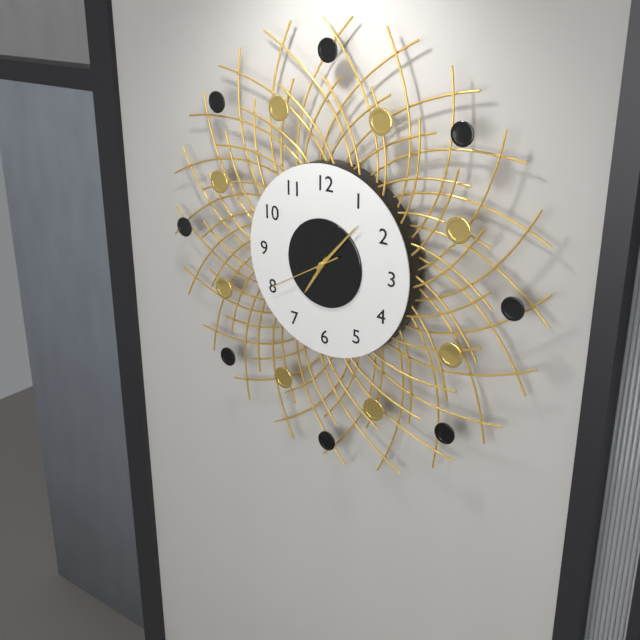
7:07:40
